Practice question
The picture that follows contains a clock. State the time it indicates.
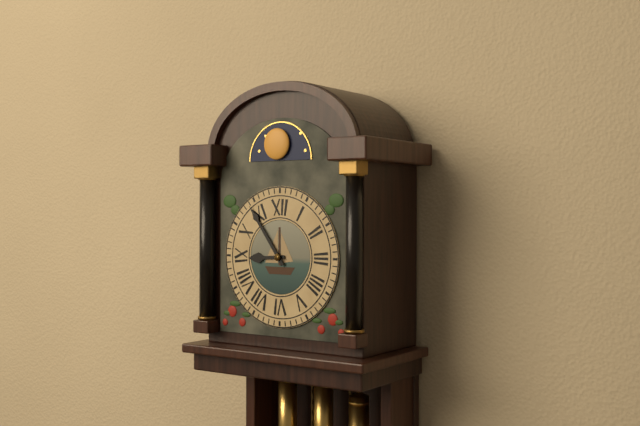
8:54
